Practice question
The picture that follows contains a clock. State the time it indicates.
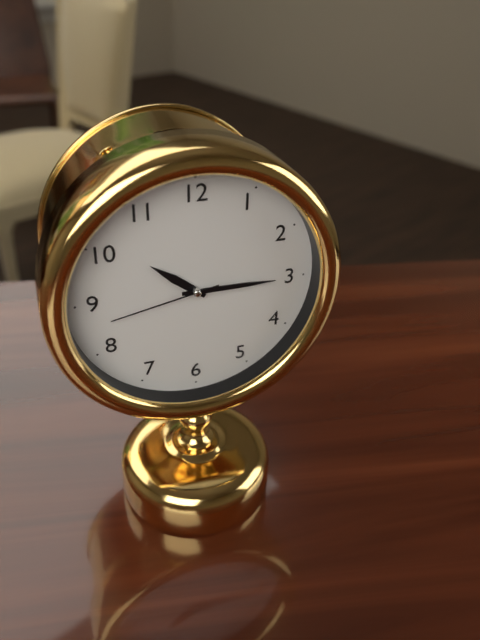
10:15:43
